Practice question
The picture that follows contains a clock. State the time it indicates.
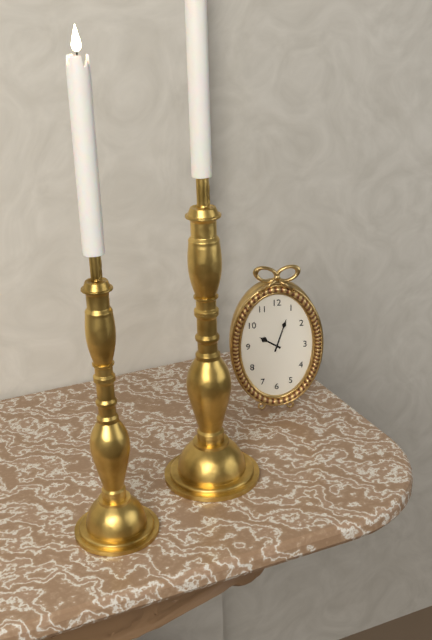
10:03
